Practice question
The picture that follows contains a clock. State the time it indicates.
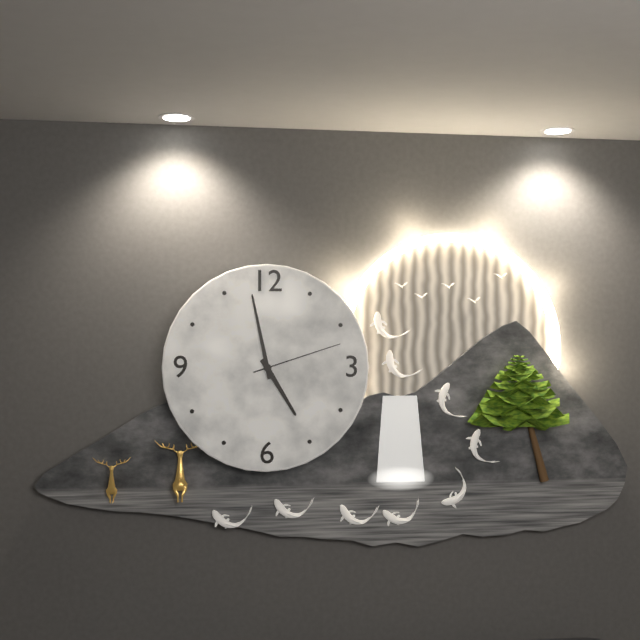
4:58:12
